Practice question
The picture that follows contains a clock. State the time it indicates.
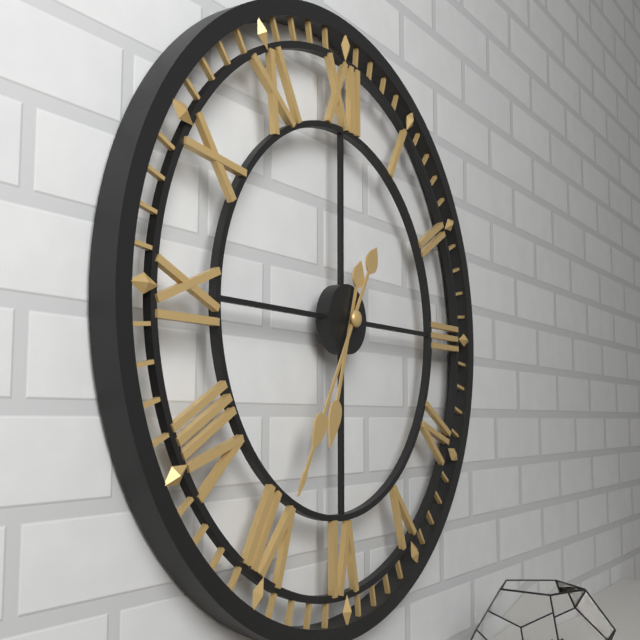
6:35
